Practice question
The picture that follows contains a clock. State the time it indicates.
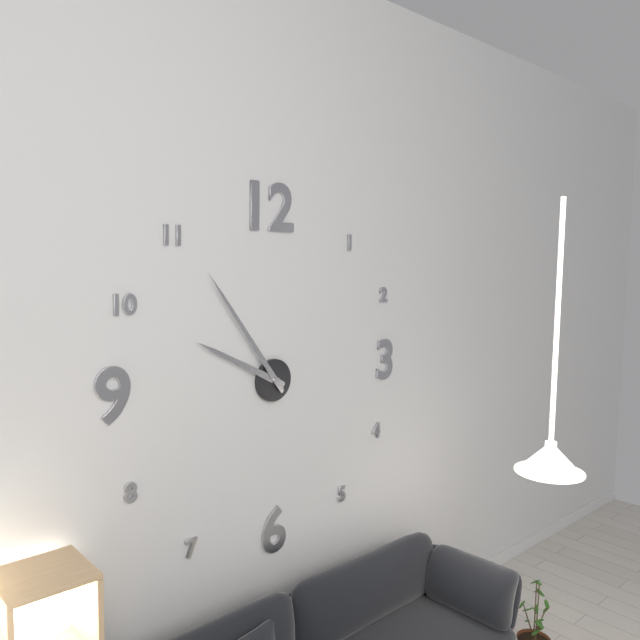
9:54
